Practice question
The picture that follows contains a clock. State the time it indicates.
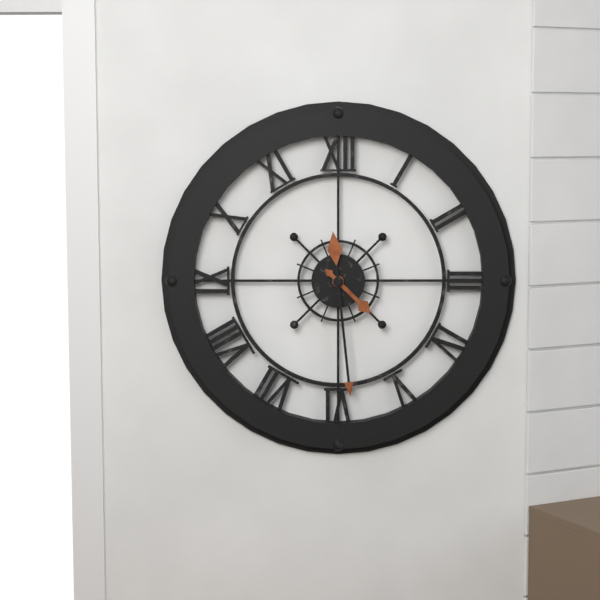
4:29
